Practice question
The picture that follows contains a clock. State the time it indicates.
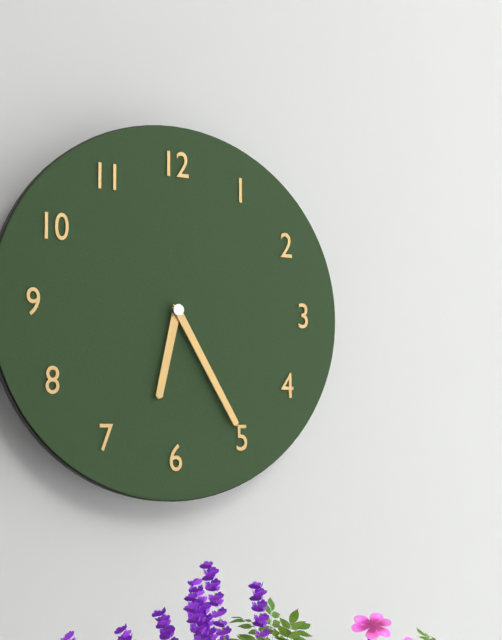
6:25
